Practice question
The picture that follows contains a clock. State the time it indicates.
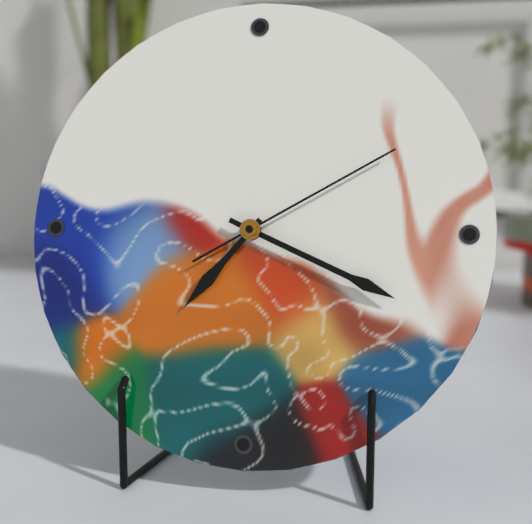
7:19:10
